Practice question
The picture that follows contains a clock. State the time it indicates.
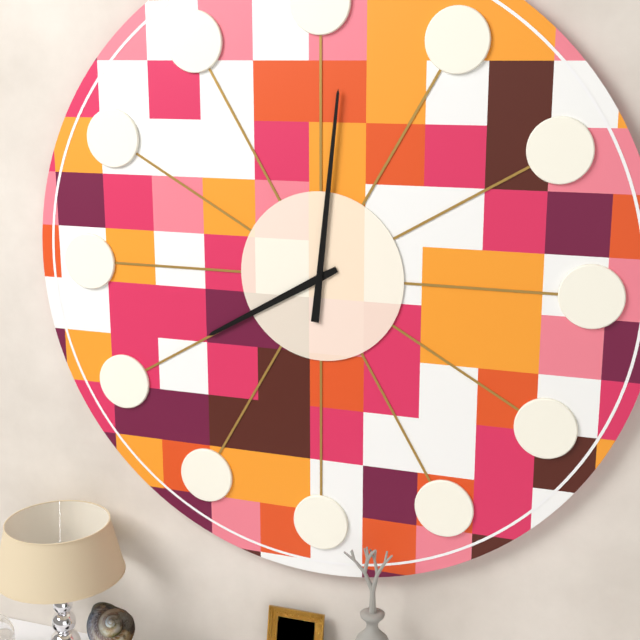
8:01
